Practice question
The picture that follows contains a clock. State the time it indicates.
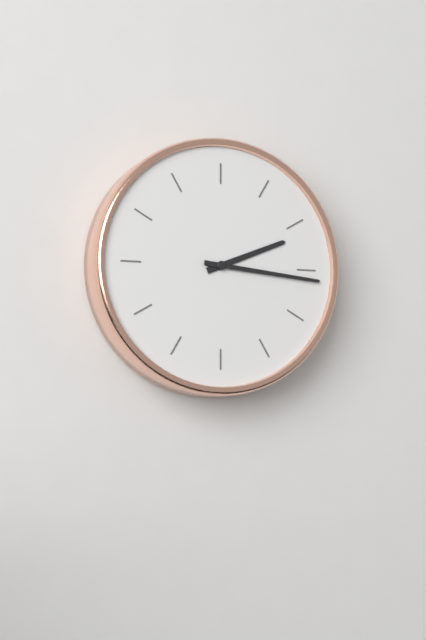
2:16
